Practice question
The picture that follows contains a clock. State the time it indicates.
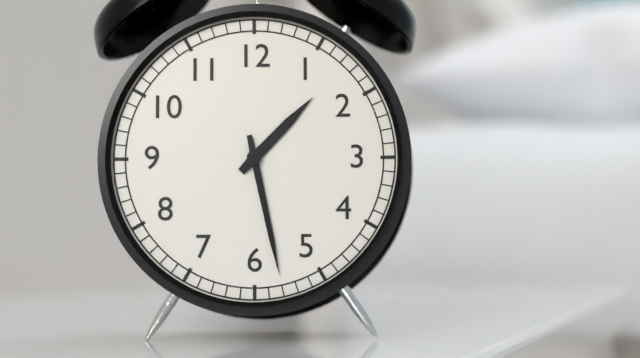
1:28
